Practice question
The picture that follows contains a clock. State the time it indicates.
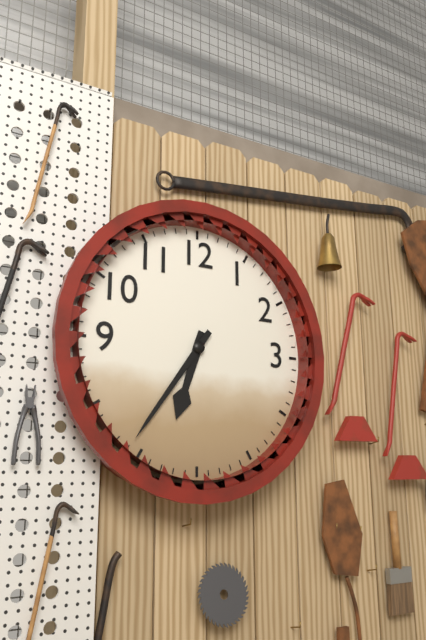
6:36
